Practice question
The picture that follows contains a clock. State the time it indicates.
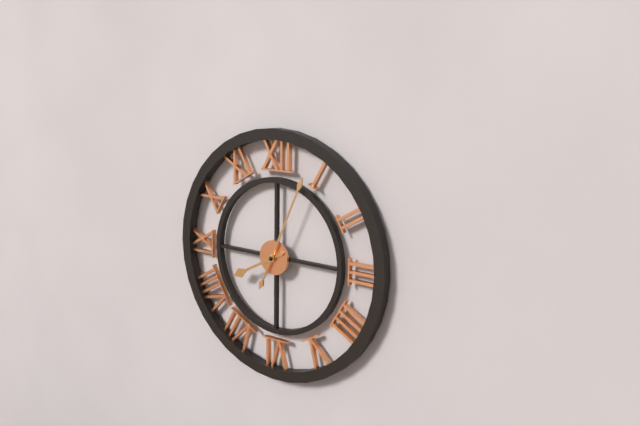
8:04
